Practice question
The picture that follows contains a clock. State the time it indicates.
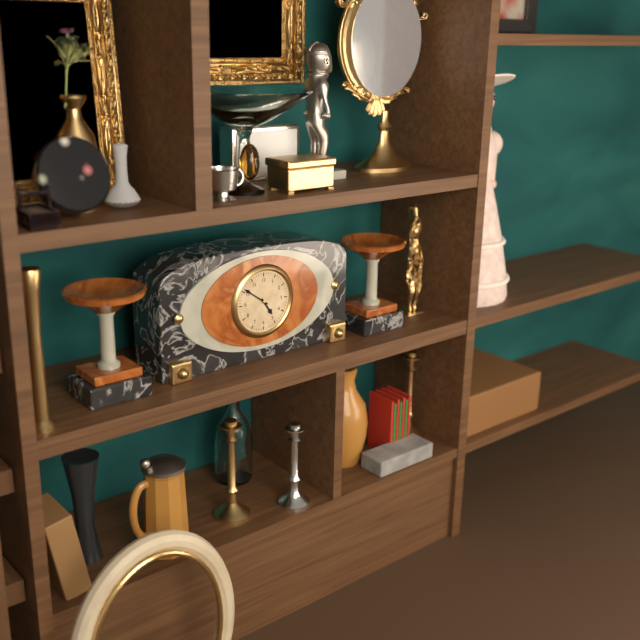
4:51
